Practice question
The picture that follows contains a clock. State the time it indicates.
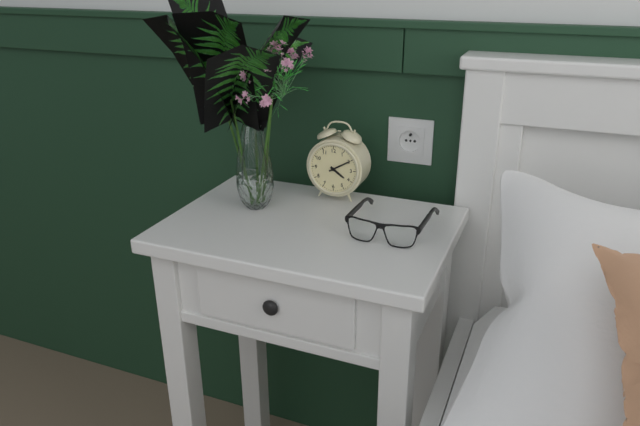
4:10
